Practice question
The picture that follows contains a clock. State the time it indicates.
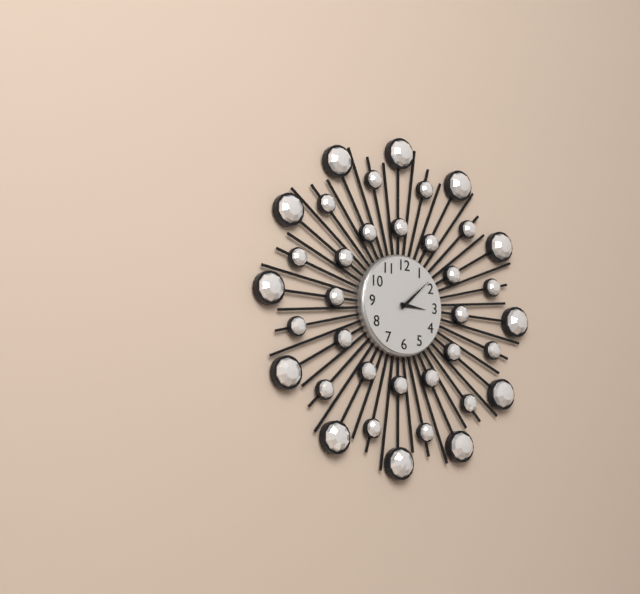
3:08
